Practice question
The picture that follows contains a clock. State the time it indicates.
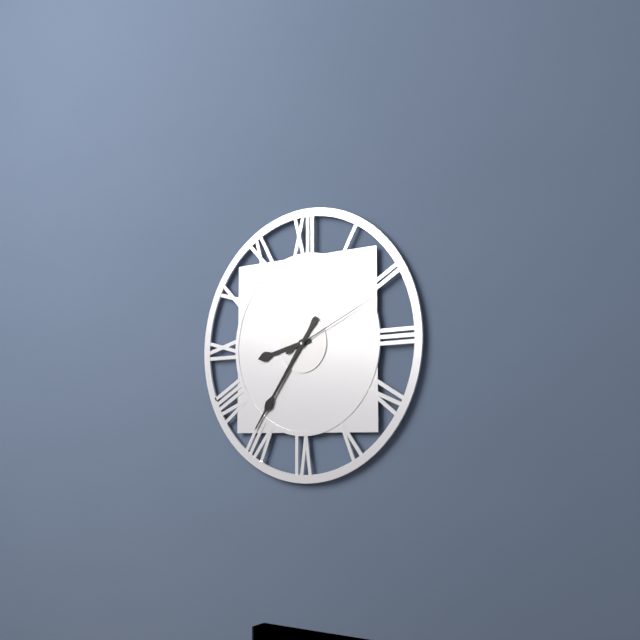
8:36:11
